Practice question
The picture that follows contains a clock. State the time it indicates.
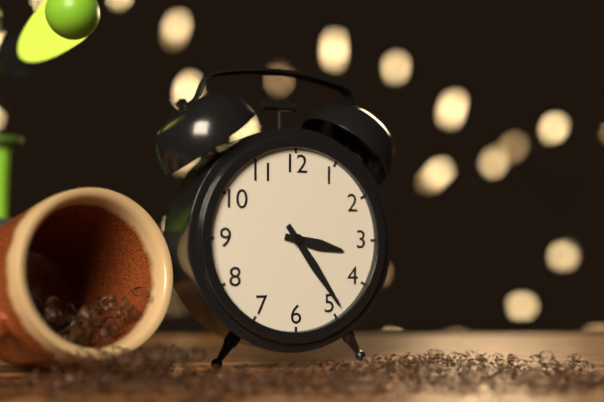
3:24
